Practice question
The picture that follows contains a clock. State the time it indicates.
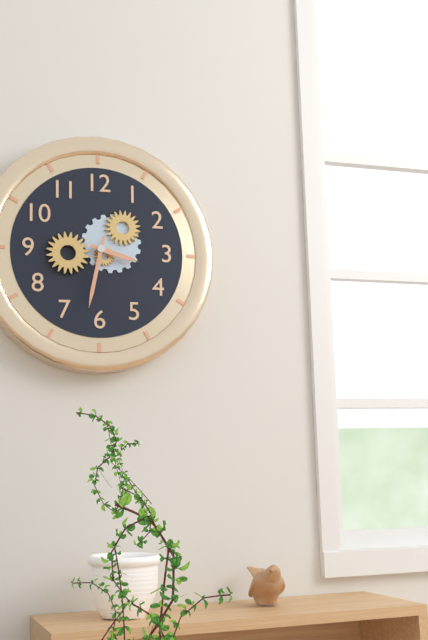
3:32
